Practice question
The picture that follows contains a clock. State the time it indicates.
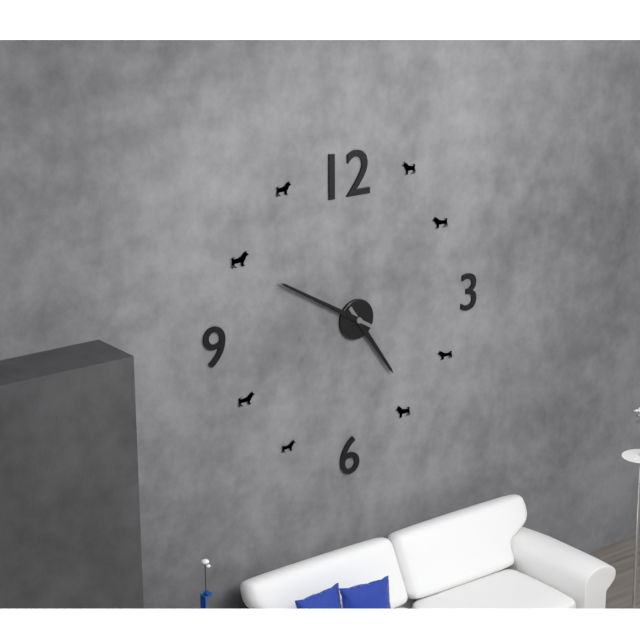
4:50
